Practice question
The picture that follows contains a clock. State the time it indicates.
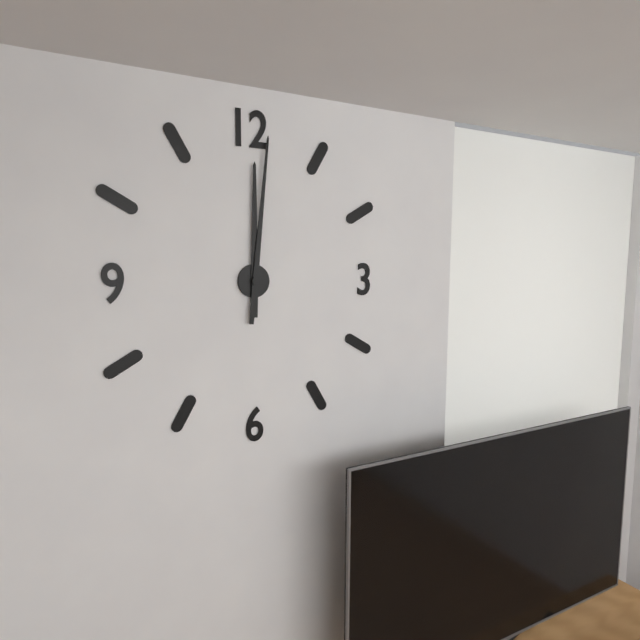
12:01
